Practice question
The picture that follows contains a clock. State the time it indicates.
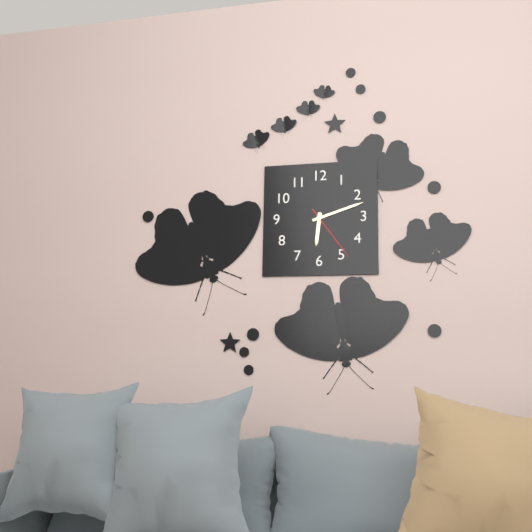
6:12:24
